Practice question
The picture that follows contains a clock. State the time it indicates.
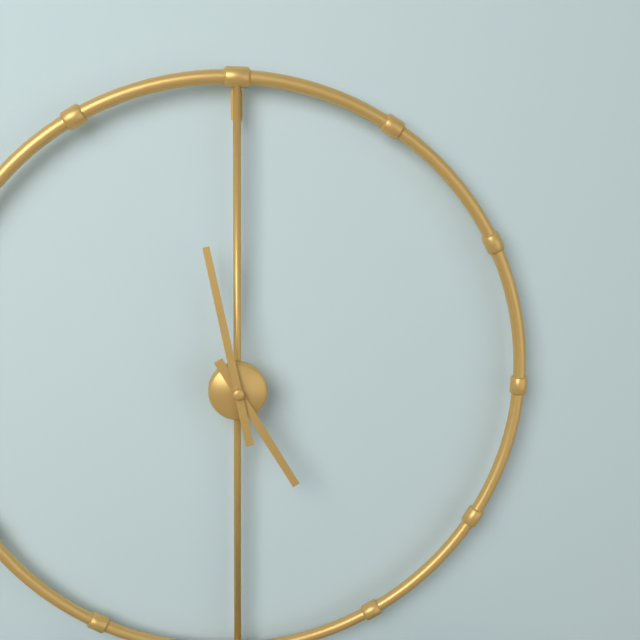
4:58
